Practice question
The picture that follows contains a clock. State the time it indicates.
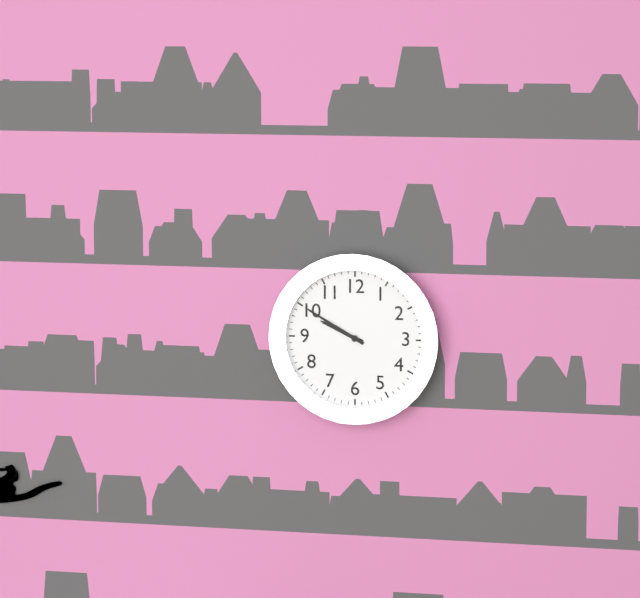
9:50
